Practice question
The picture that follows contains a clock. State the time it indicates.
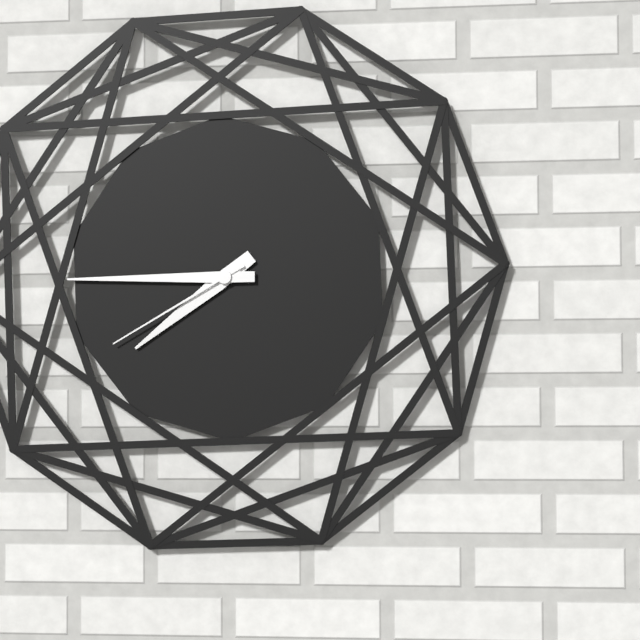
7:45:40
